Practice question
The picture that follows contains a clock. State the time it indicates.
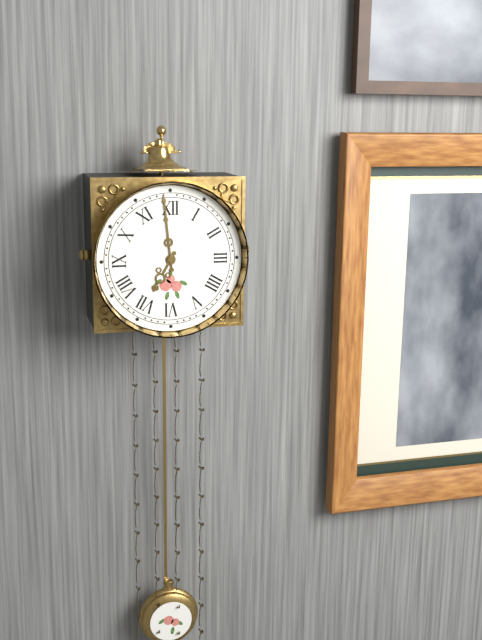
6:59
